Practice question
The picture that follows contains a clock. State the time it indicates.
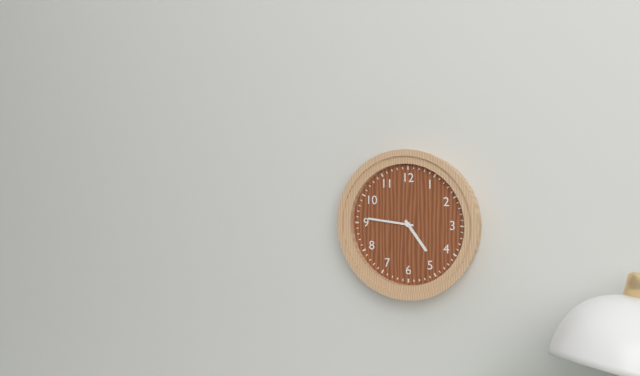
4:46
